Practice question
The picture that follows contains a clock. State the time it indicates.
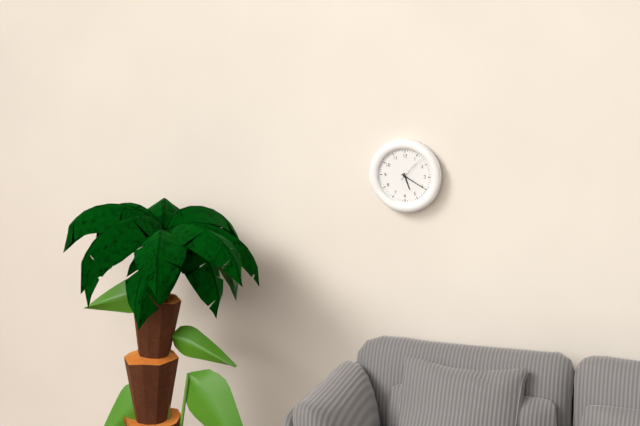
5:20
